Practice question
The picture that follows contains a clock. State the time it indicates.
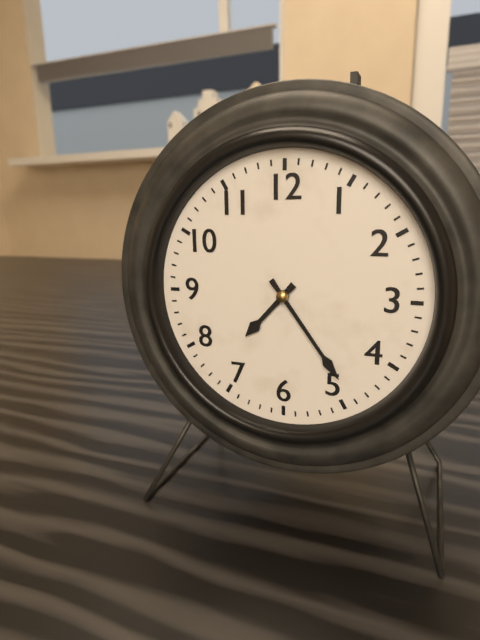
7:24
